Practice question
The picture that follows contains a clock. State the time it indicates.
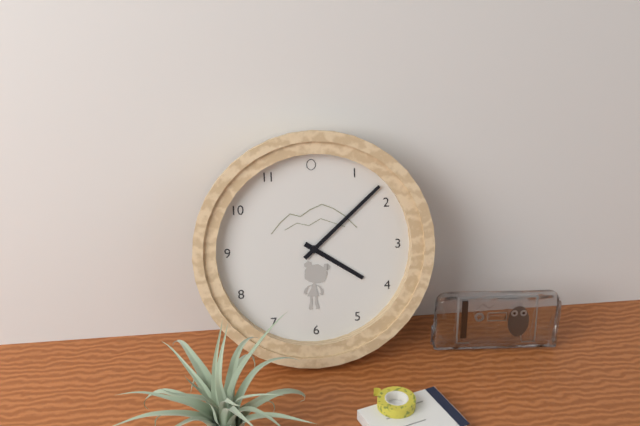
4:08
